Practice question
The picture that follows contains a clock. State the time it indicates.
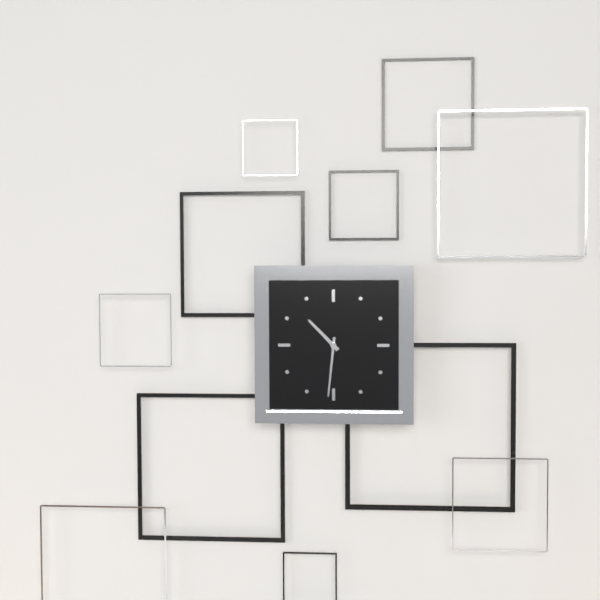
10:31
